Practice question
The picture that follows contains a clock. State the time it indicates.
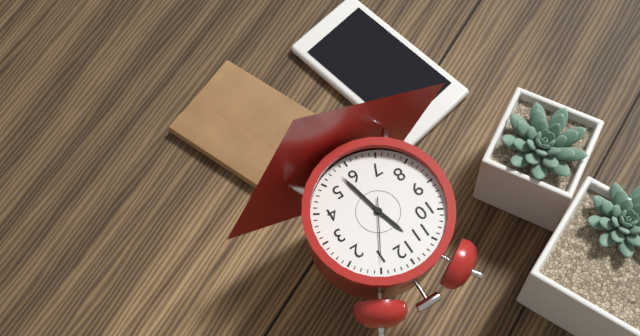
11:28:05
